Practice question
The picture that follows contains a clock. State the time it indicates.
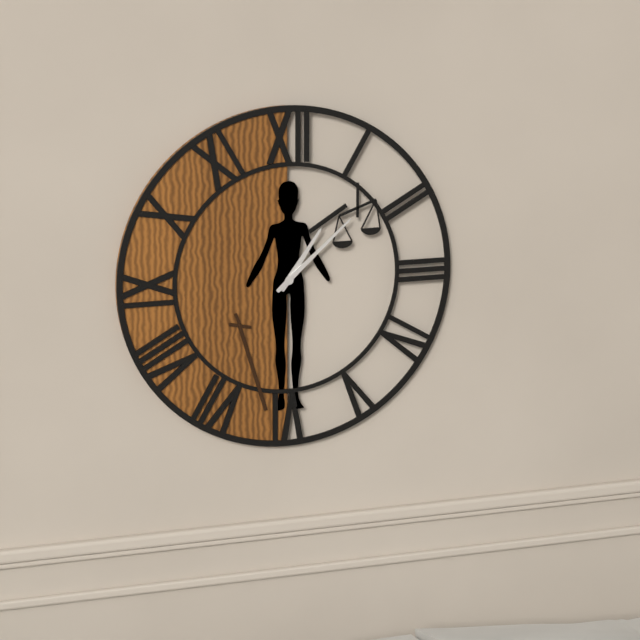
1:08
